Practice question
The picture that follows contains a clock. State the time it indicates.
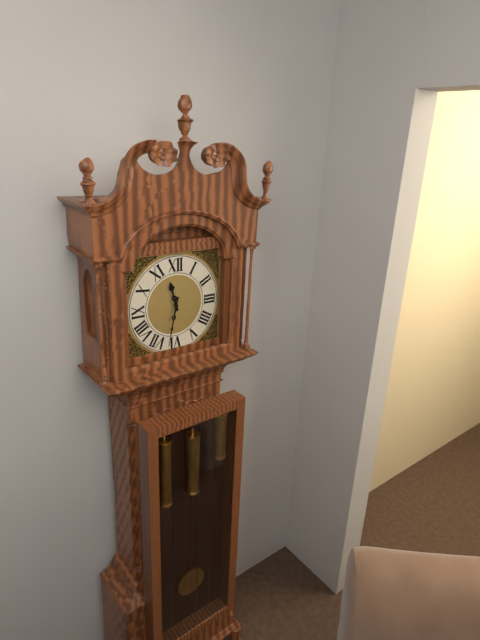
11:32
